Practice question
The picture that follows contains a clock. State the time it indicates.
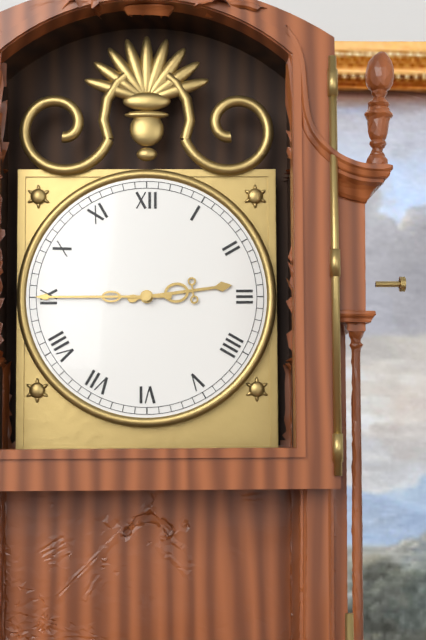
2:45
